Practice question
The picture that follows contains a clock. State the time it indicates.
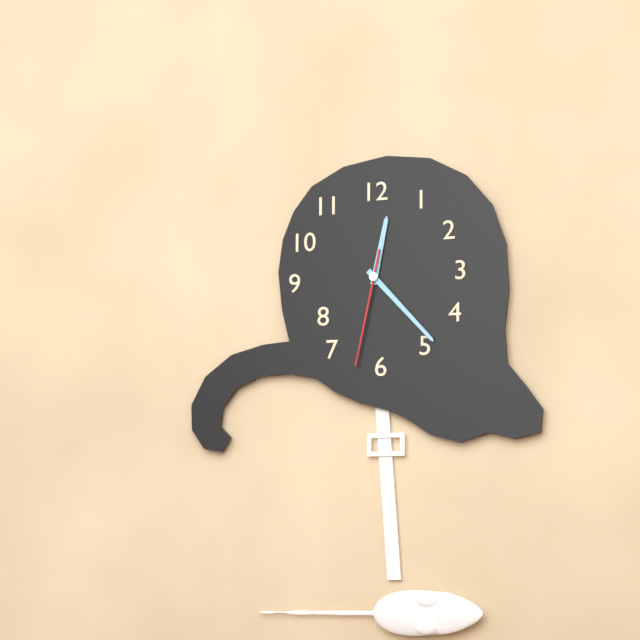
12:23:32
